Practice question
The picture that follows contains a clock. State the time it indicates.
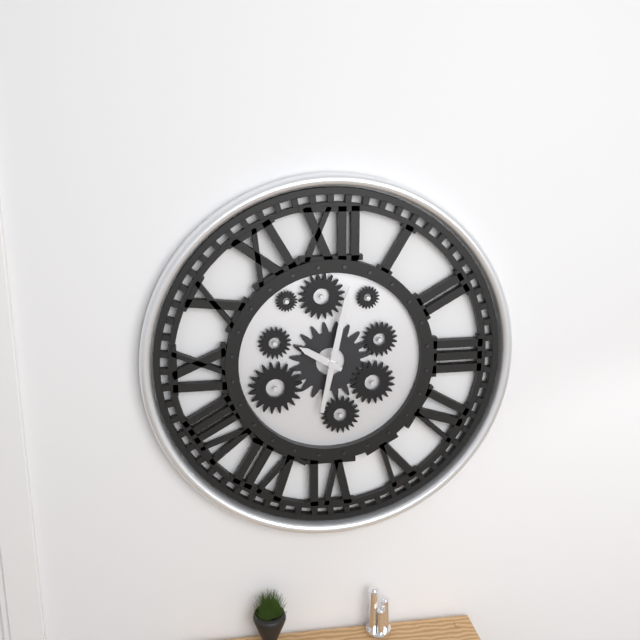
10:02
